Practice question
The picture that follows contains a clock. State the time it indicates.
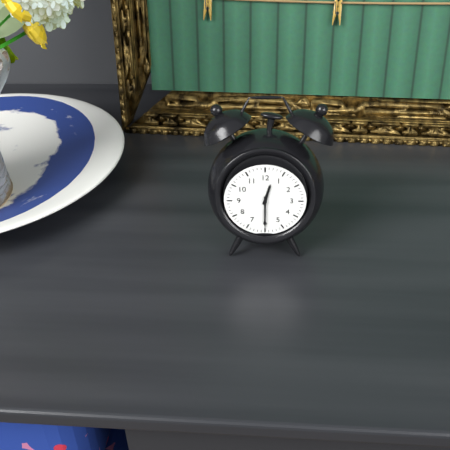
12:30
